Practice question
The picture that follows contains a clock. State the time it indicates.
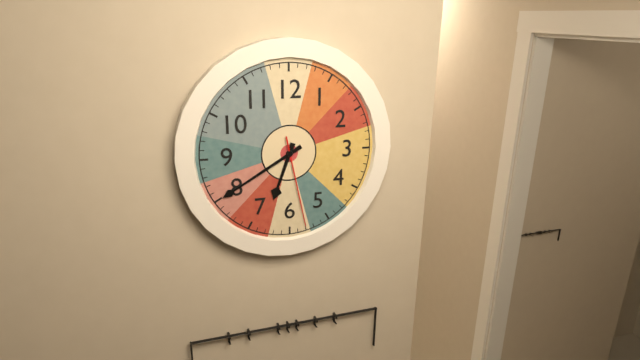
6:40:28
